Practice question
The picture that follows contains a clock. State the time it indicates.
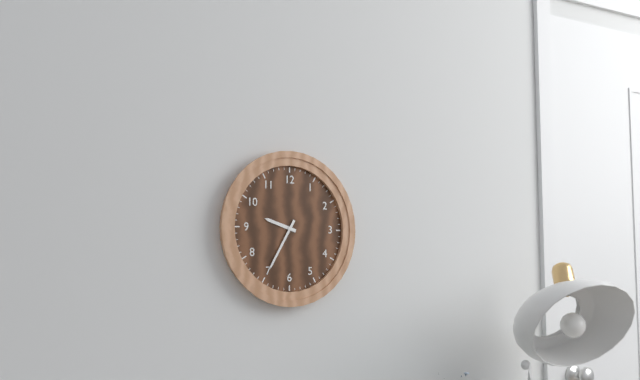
9:35
